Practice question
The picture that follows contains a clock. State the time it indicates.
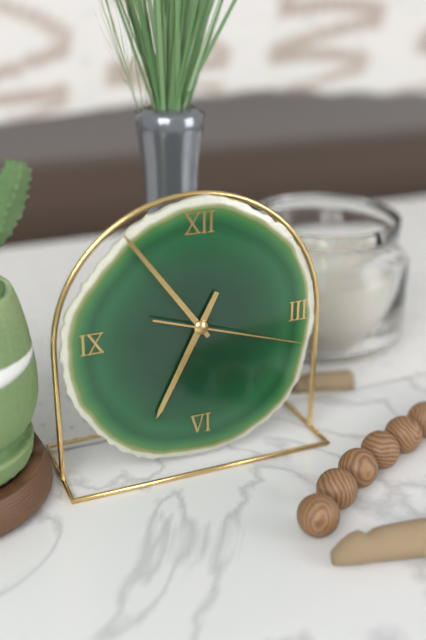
6:54:18
